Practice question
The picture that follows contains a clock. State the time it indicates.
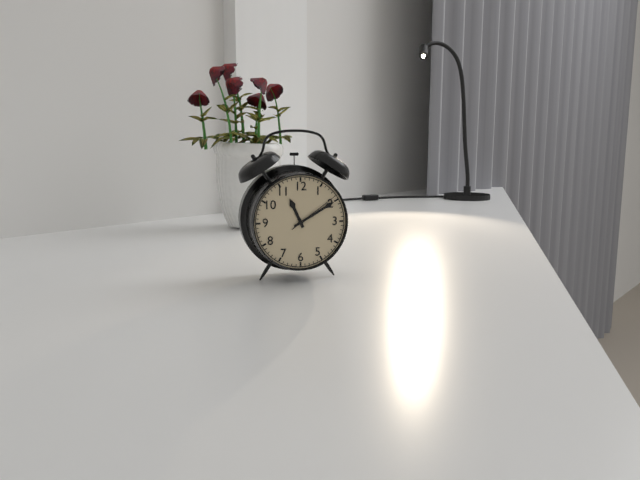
11:10:09
